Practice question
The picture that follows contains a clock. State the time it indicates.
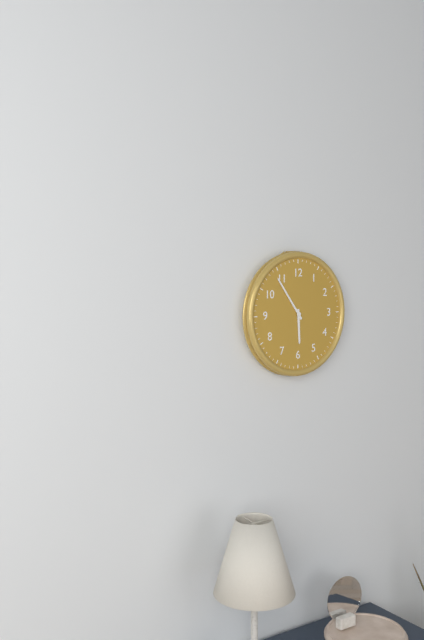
5:54
